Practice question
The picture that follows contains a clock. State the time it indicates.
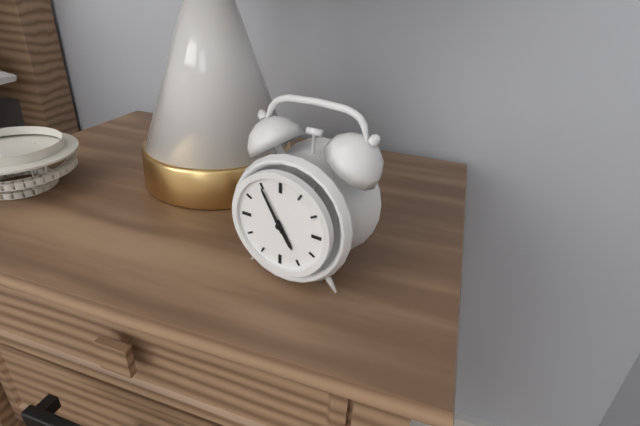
4:55
